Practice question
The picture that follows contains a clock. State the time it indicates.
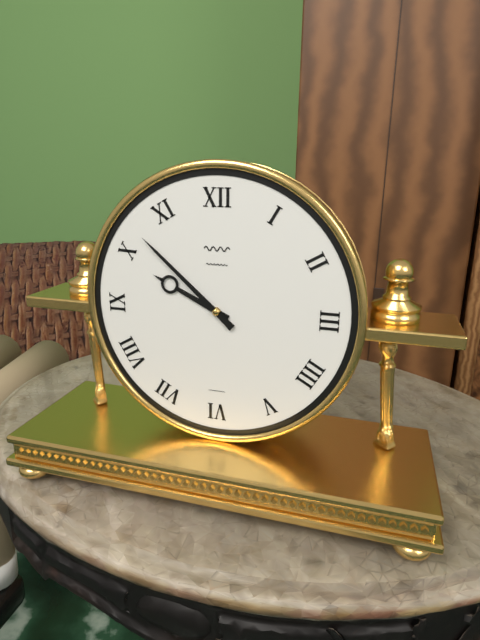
9:52
